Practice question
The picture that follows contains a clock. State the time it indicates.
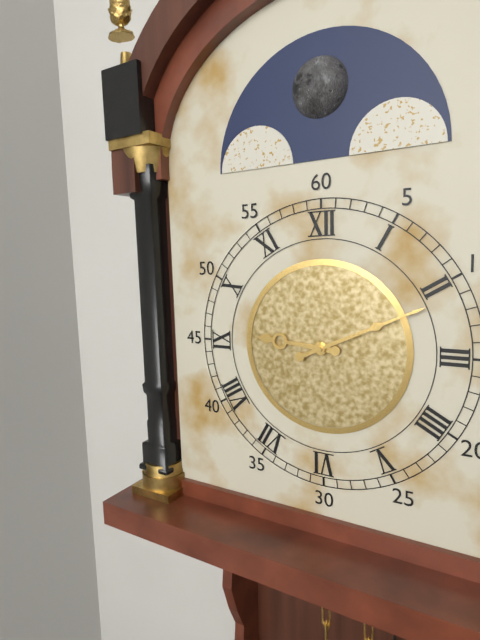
9:11
